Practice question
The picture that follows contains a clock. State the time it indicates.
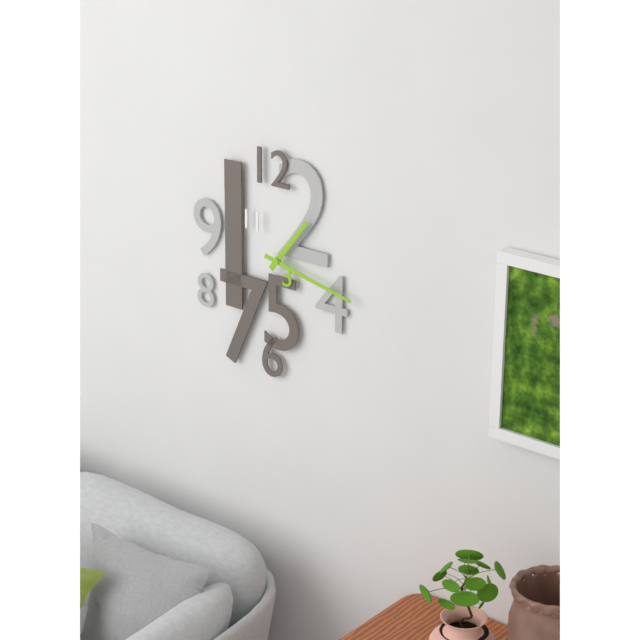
1:17
